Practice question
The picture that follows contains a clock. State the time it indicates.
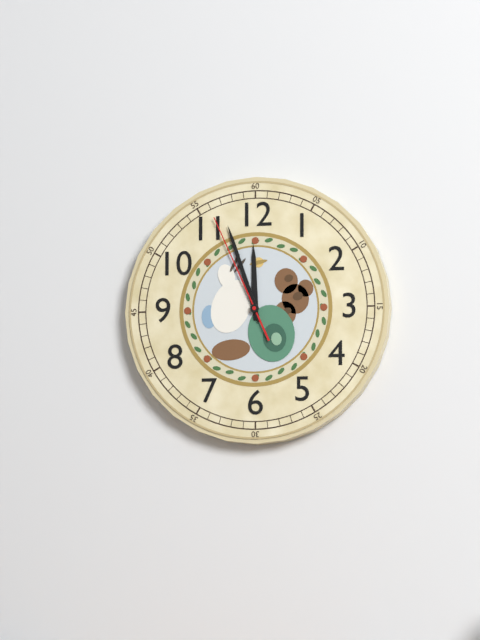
11:57:56
